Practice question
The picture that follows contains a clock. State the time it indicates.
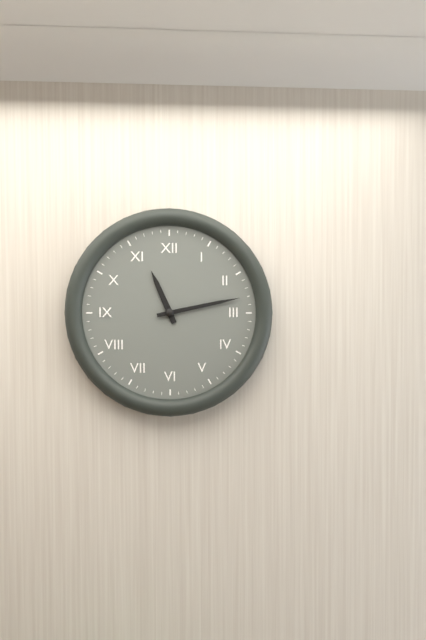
11:13
